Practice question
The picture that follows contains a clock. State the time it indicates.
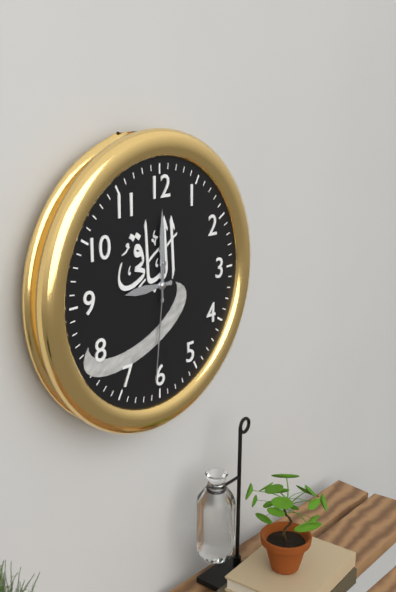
9:00:31
